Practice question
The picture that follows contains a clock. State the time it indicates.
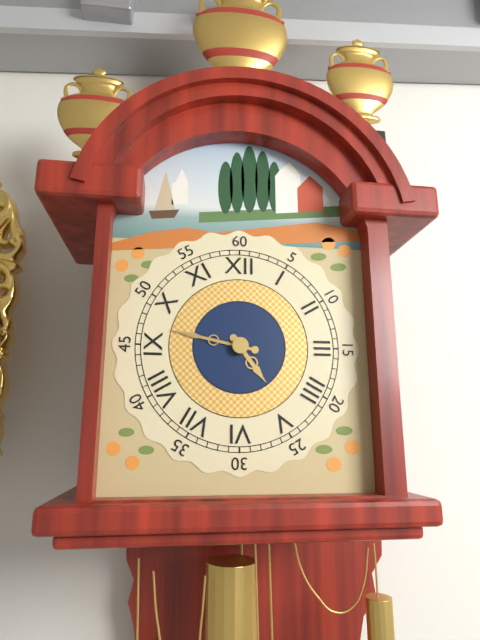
4:47
